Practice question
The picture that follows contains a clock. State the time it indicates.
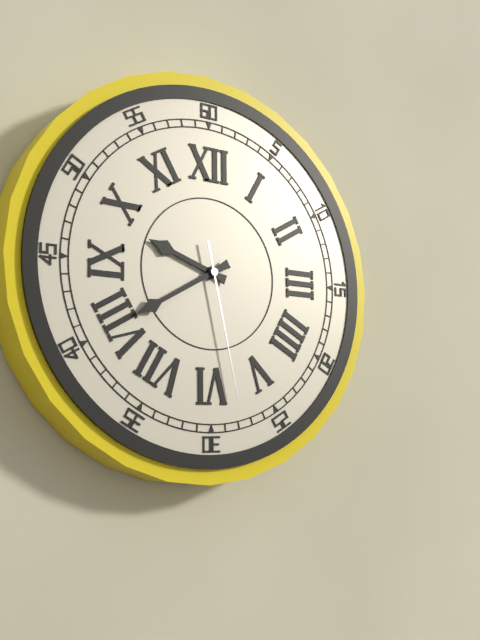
9:40:28
